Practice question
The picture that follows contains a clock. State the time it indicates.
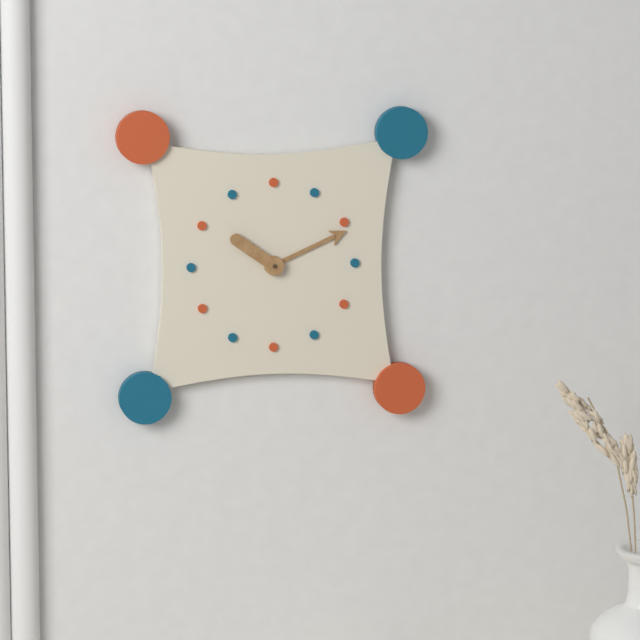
10:11
